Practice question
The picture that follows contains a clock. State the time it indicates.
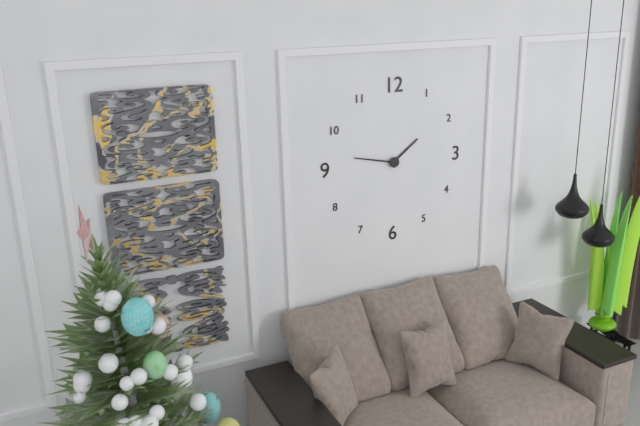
1:47
